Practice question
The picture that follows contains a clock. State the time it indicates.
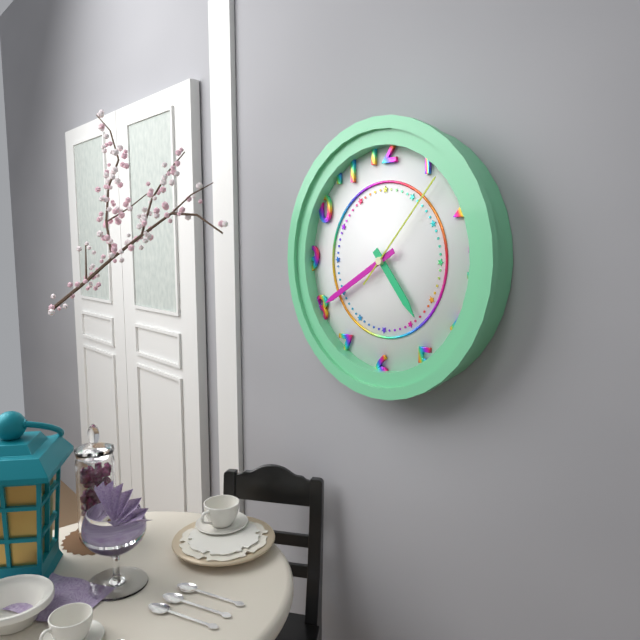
4:40:07
